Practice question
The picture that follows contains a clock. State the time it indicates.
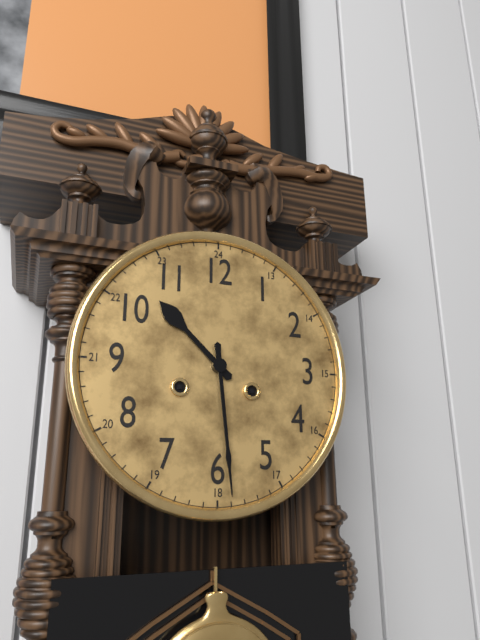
10:29
